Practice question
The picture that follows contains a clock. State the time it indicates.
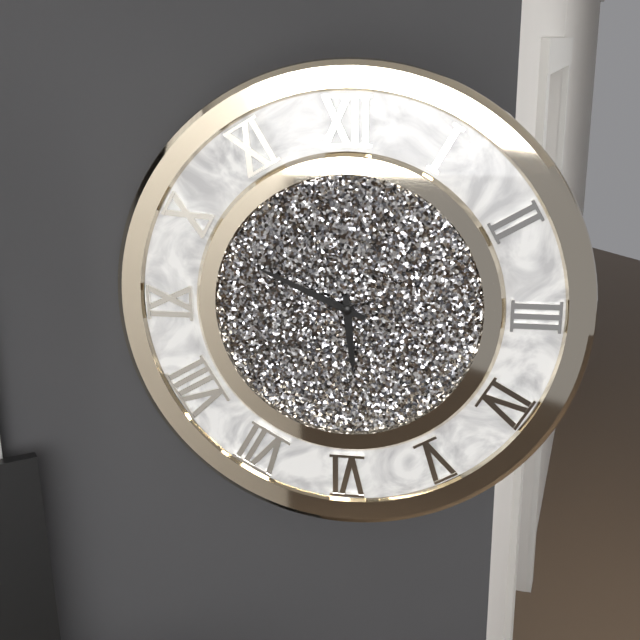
5:49
